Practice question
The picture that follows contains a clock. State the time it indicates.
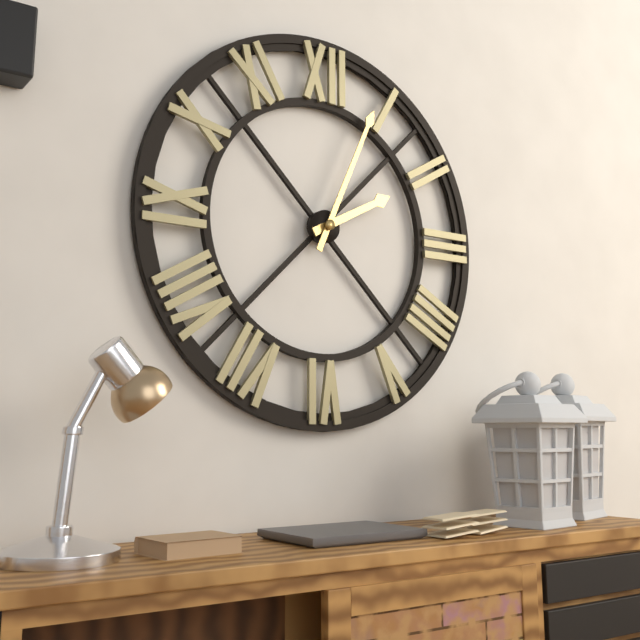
2:04
